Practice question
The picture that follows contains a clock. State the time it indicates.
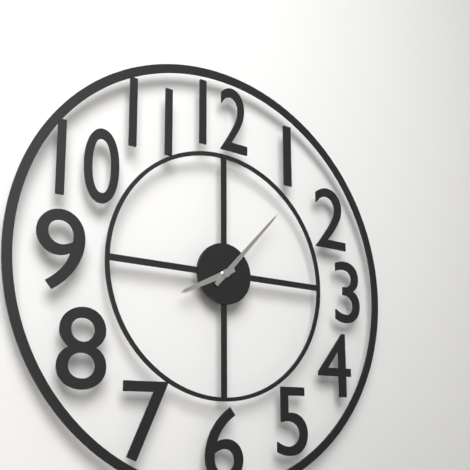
8:07
